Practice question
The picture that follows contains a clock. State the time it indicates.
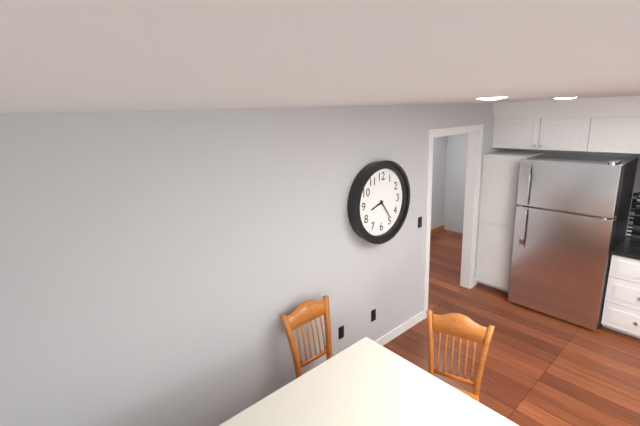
8:24
